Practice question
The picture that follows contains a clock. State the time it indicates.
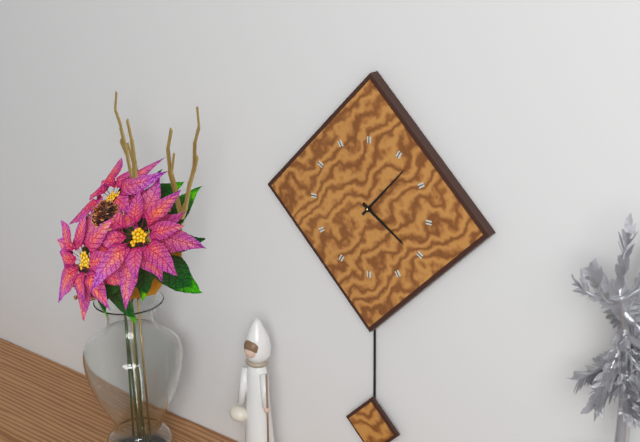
4:07
